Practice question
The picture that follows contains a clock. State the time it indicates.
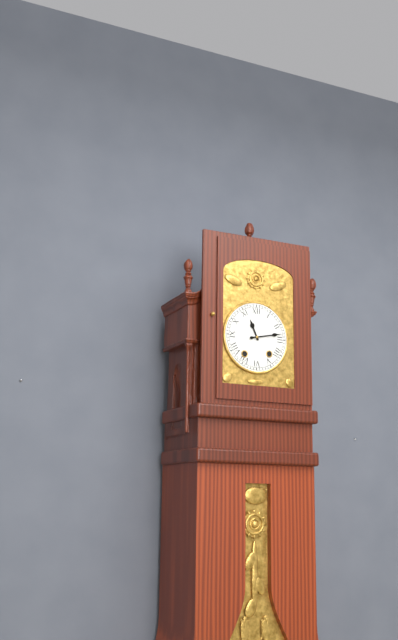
11:13
